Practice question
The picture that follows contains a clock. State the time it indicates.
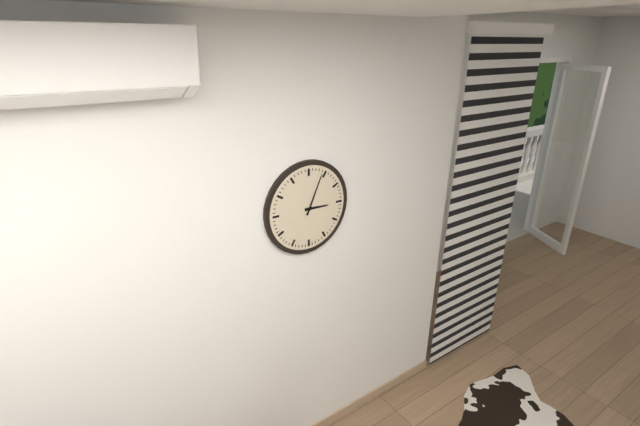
3:04
